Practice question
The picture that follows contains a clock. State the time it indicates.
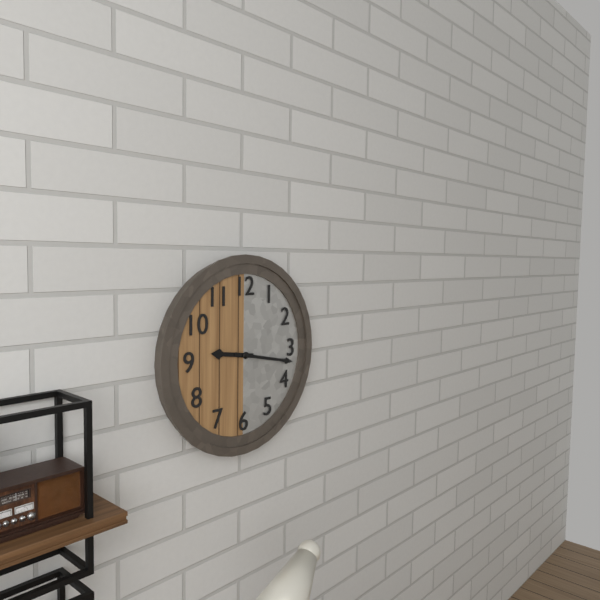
9:17
